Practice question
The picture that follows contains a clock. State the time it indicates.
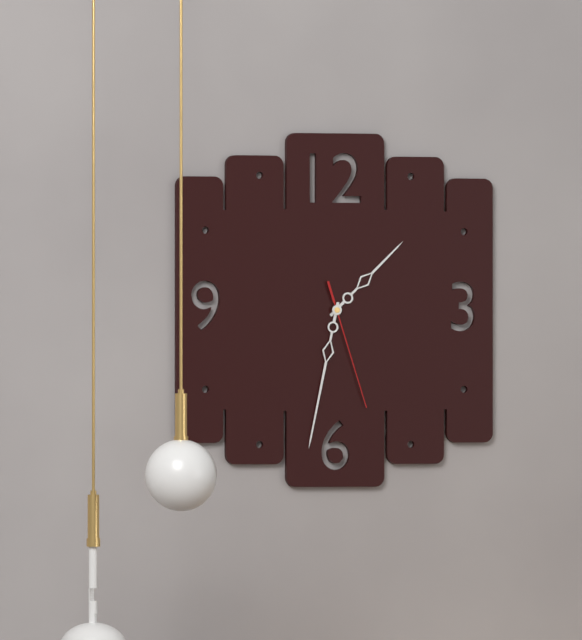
1:32:27
